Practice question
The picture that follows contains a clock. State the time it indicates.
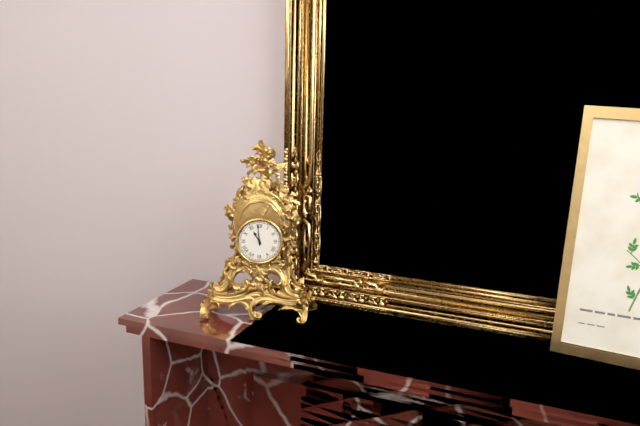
10:59
